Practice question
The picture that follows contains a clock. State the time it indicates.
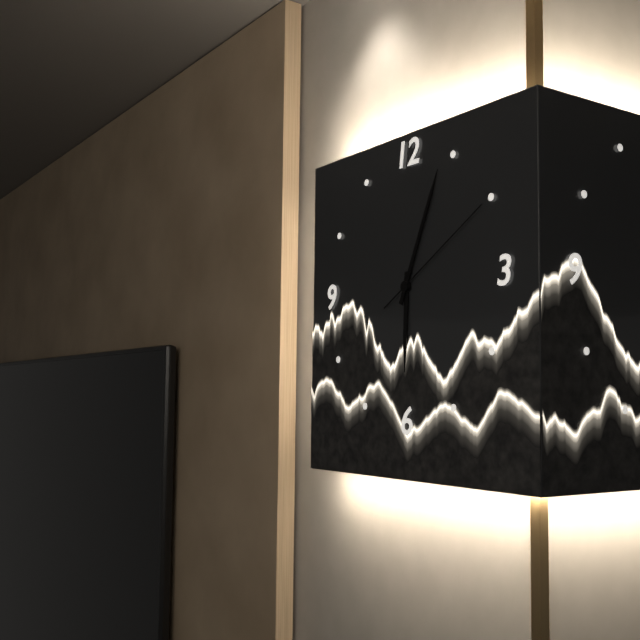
6:04:10
